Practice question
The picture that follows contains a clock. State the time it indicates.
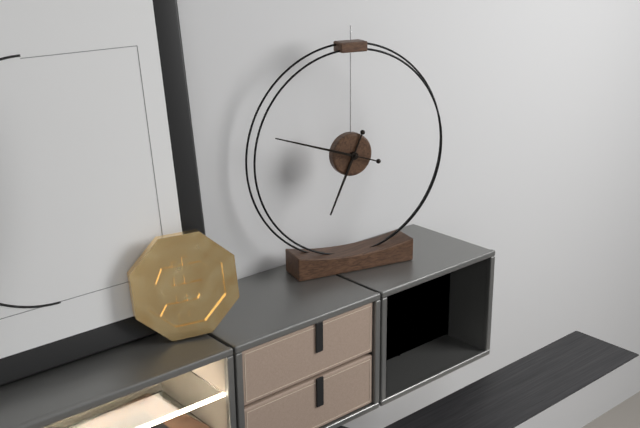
6:48
